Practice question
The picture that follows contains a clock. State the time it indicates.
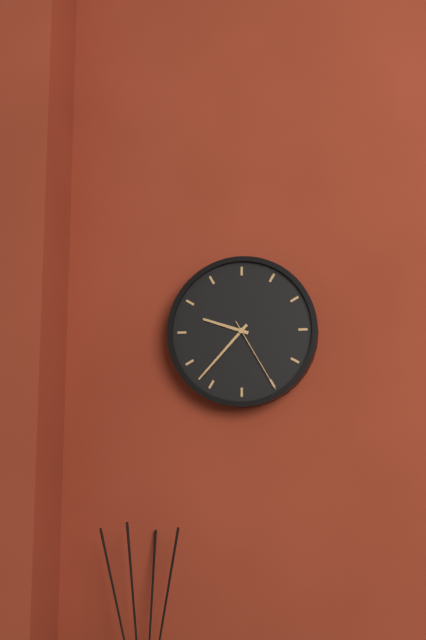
9:37:25
